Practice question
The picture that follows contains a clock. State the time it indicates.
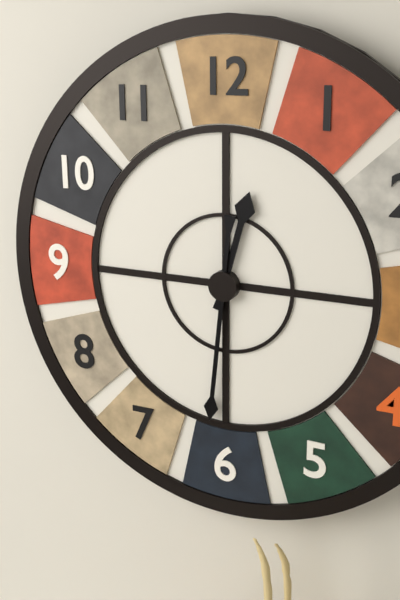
12:31
